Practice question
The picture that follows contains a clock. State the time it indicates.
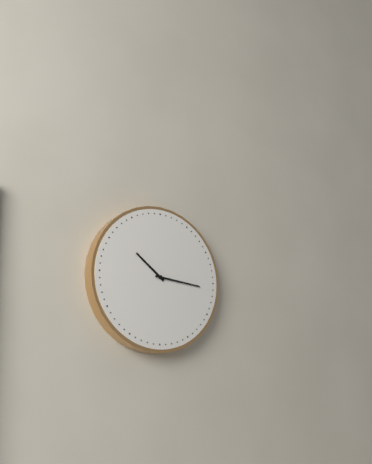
10:16
